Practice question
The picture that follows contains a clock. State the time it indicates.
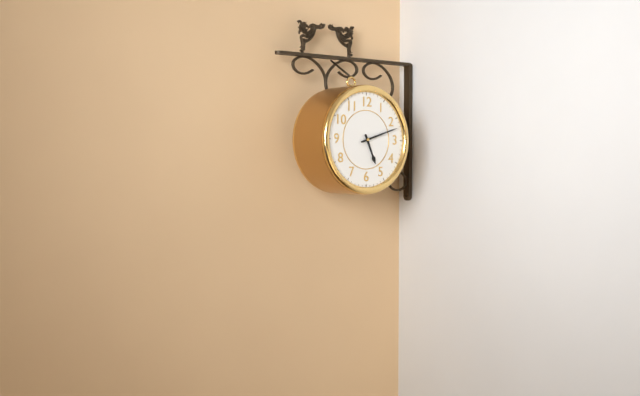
5:12
